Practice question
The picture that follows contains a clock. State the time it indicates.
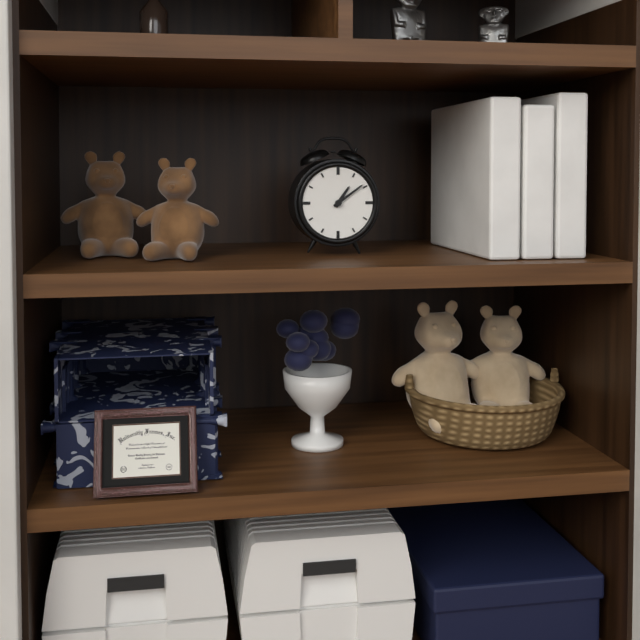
1:09
